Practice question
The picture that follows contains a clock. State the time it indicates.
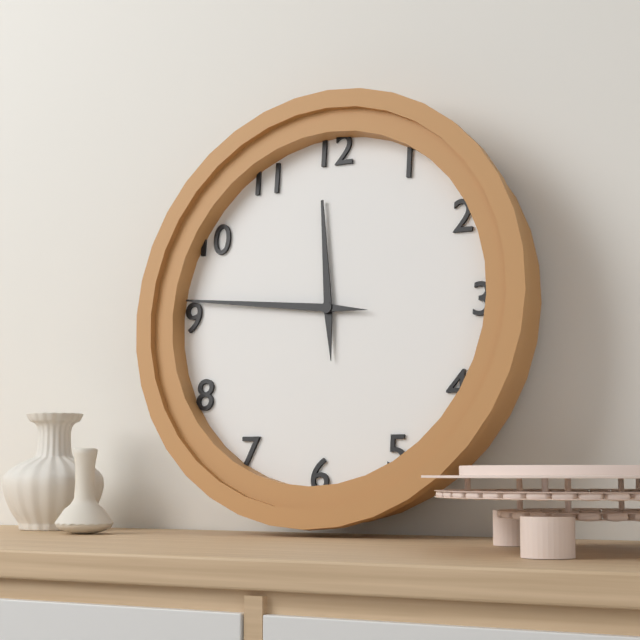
11:46
